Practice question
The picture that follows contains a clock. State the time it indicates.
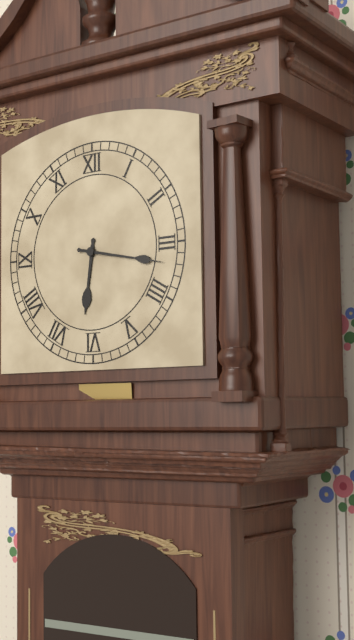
6:17
